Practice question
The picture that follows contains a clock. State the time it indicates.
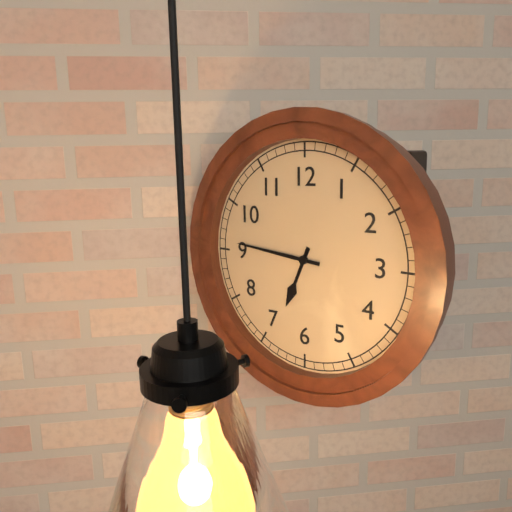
6:46
